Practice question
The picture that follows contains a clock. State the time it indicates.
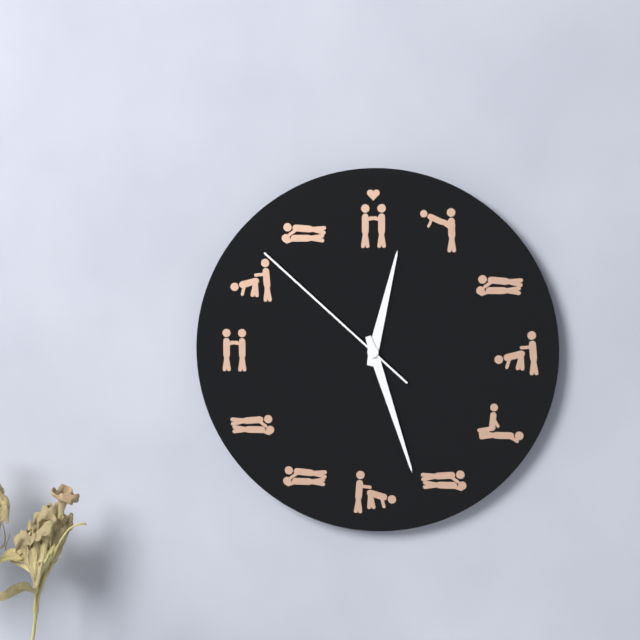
12:27:52
